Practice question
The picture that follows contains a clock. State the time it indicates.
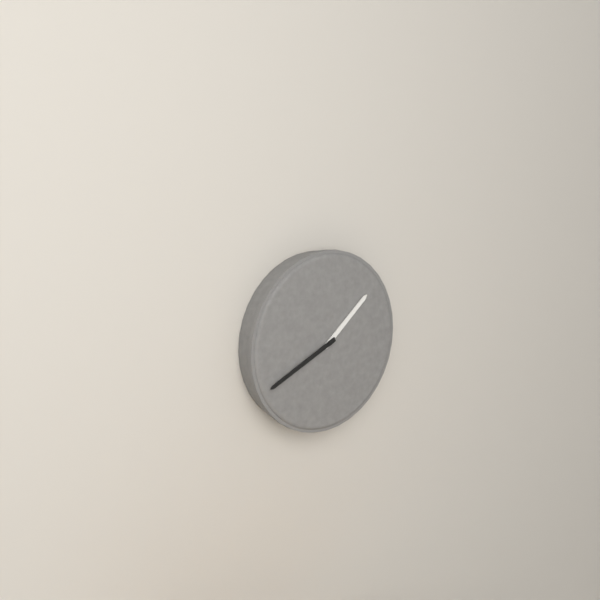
1:41
